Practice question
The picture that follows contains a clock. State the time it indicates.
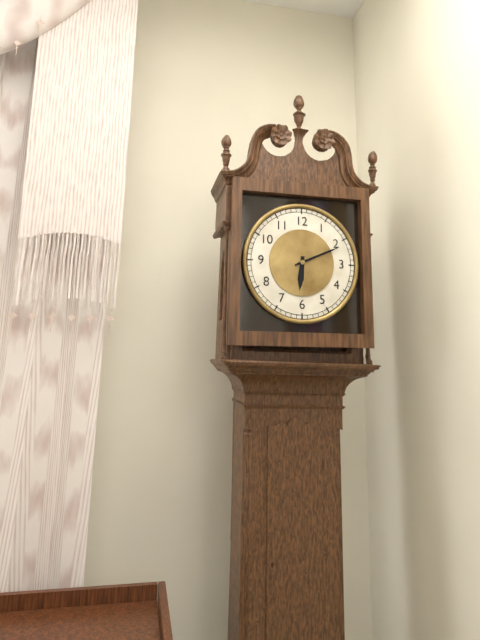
6:11
